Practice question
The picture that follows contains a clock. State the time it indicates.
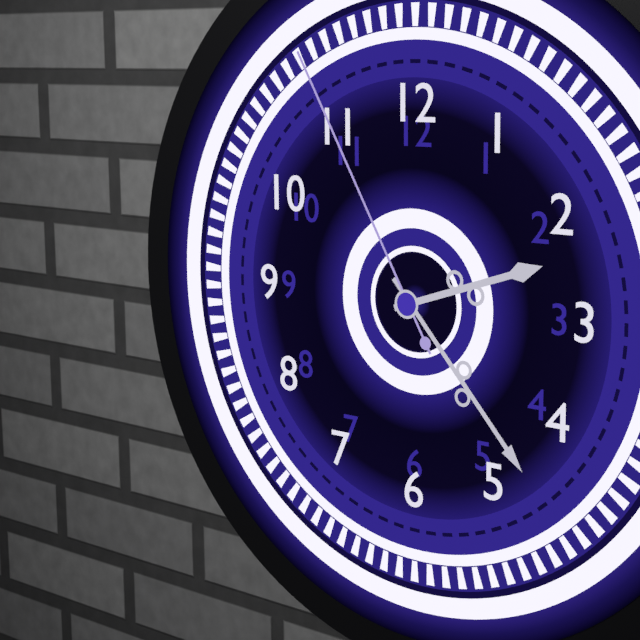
2:23:55
